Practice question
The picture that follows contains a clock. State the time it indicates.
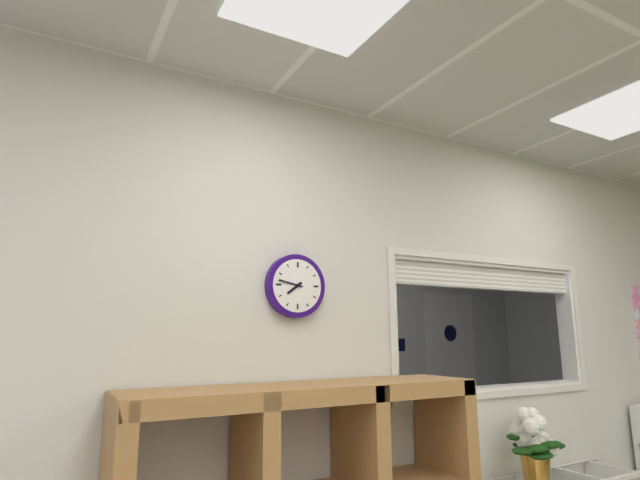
7:47
